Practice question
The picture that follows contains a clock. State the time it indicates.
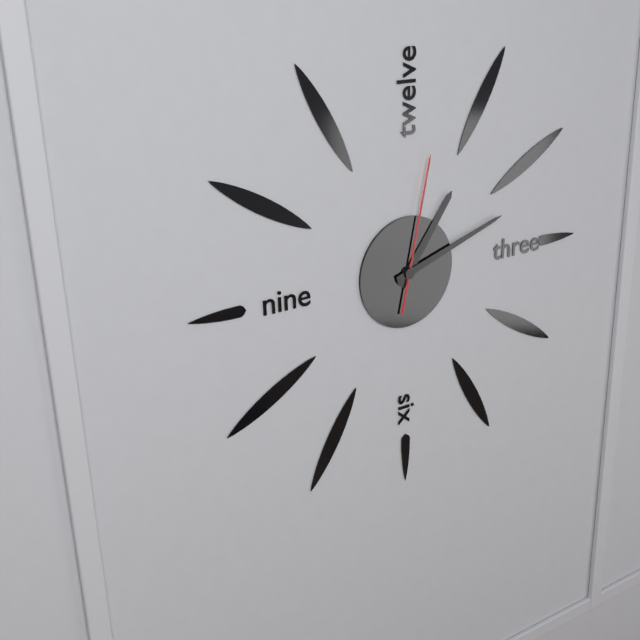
1:12:02
